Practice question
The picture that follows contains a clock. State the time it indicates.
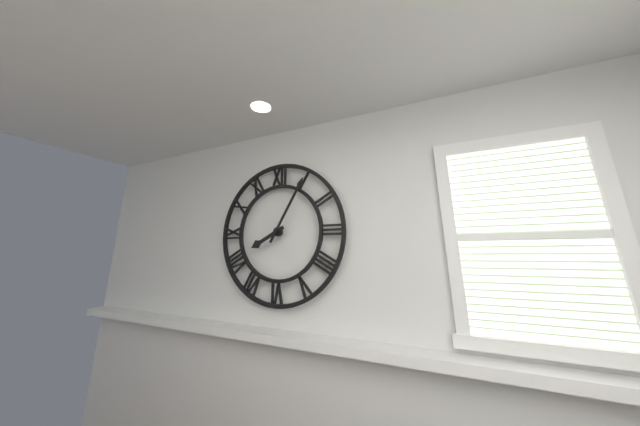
8:05
